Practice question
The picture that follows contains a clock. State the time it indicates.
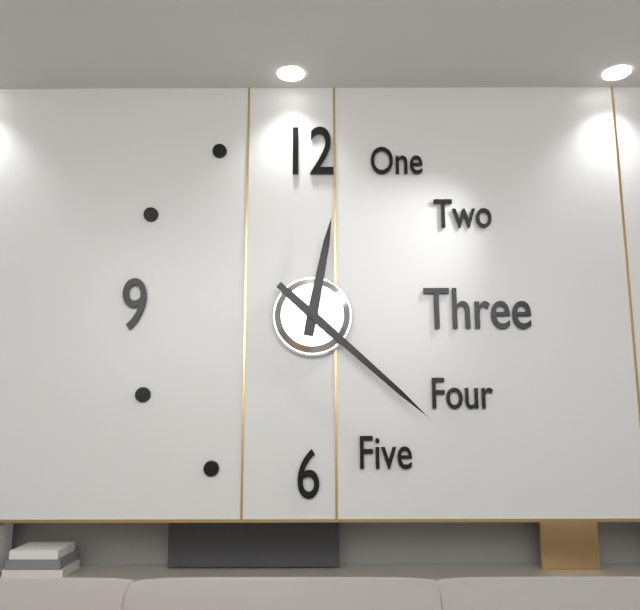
12:22
